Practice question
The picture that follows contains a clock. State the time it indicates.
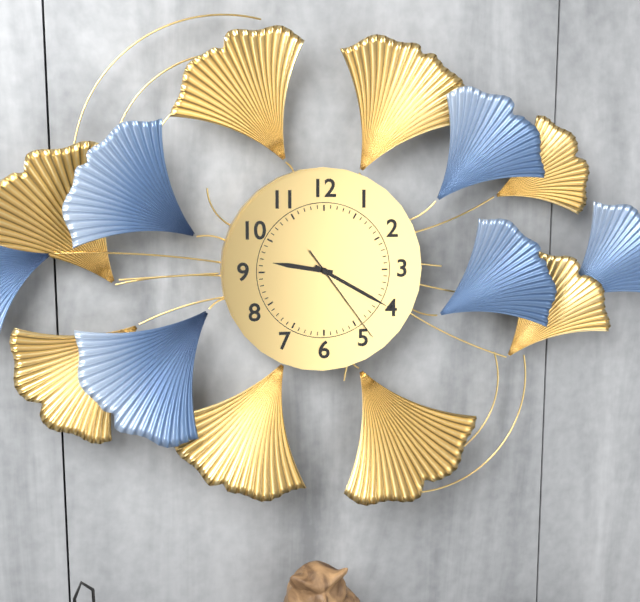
9:20:24
